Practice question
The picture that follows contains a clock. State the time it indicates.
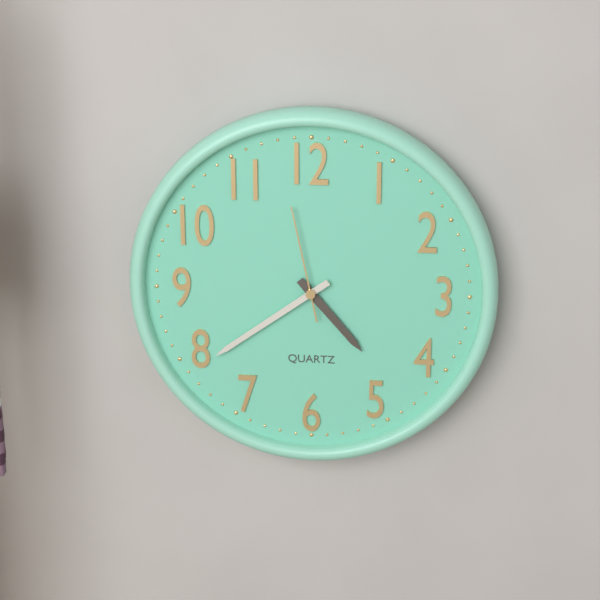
4:39:58
